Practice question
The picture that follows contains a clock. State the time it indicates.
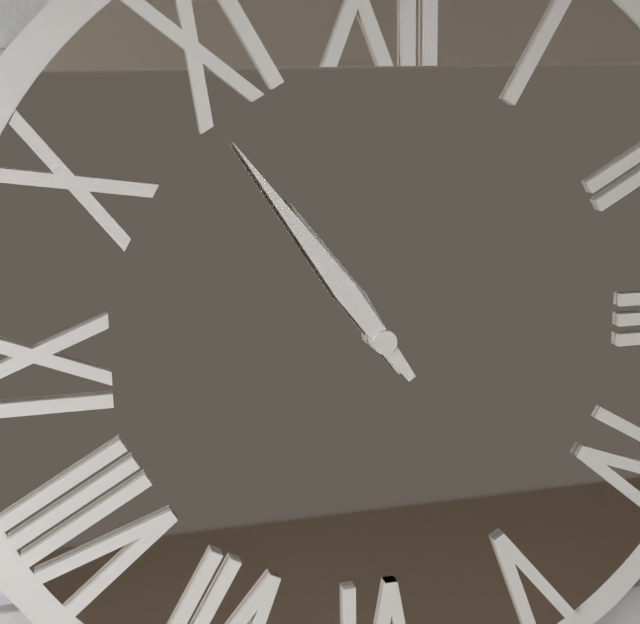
10:54
